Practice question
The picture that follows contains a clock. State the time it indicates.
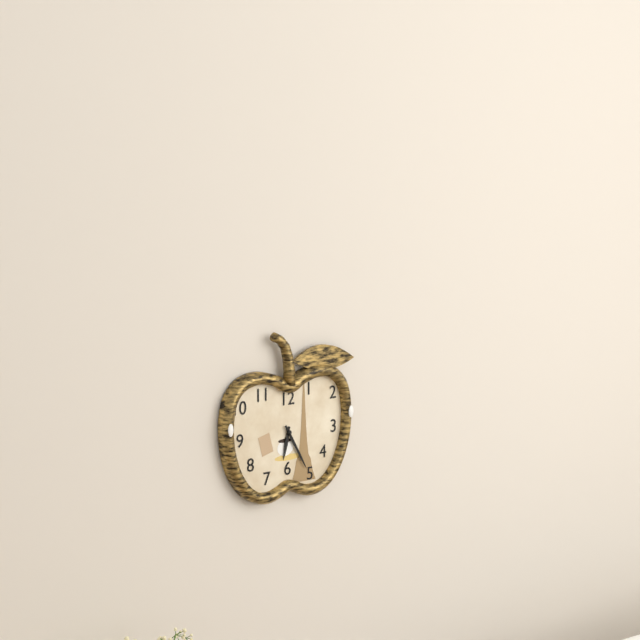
6:25
